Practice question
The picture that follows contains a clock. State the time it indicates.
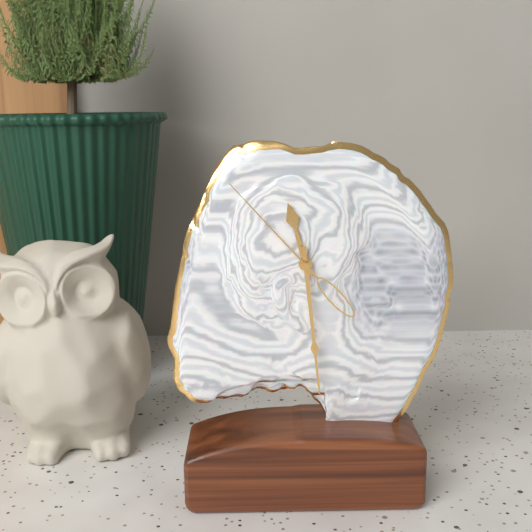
11:29:53
